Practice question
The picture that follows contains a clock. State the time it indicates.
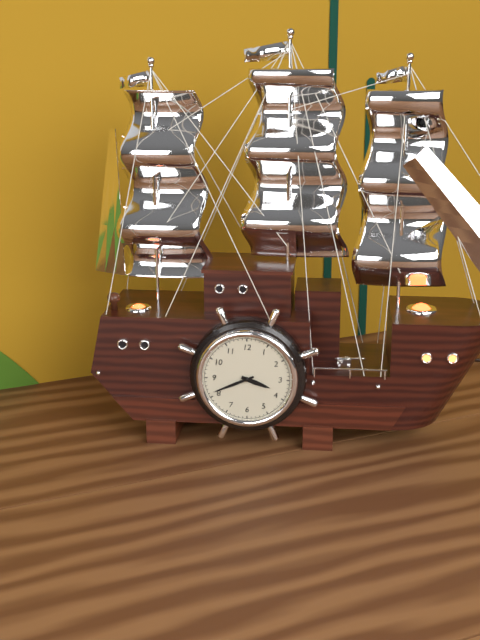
3:41
